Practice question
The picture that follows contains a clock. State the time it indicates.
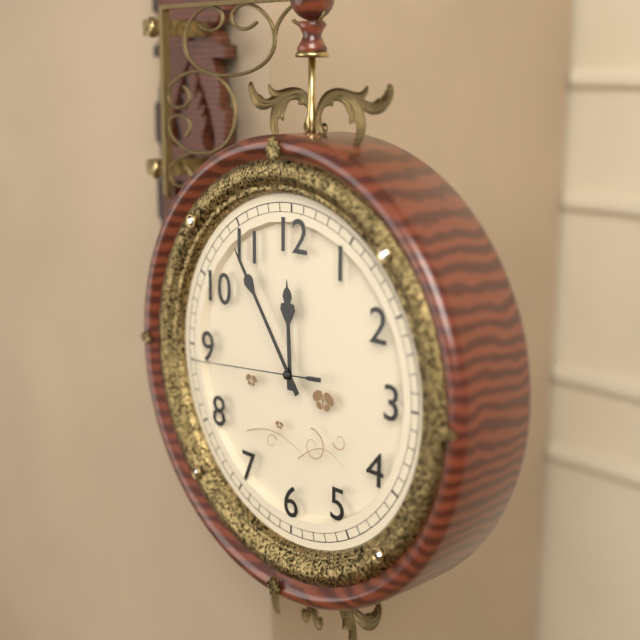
11:54:44
